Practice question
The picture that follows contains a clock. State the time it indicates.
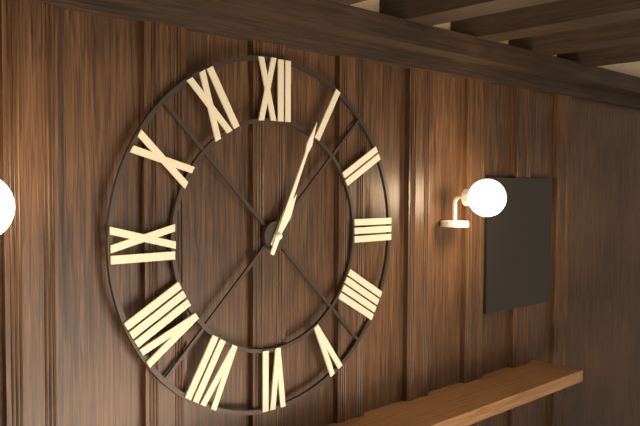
1:04
